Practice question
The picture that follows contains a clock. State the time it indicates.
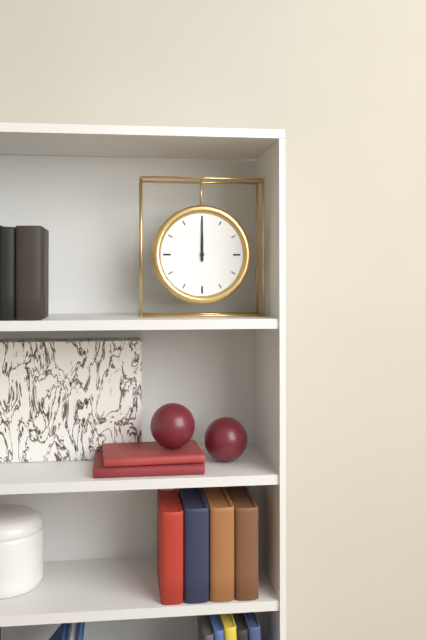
12:00
